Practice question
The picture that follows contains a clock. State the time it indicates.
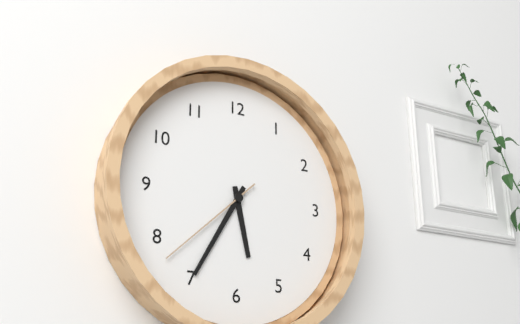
5:35:38
